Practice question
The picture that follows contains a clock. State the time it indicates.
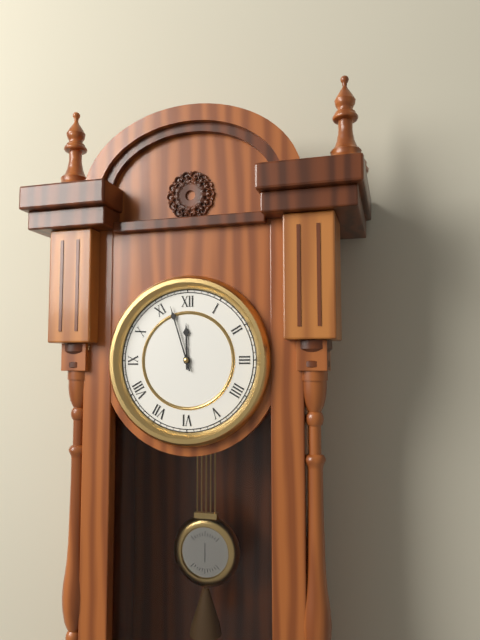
11:57
